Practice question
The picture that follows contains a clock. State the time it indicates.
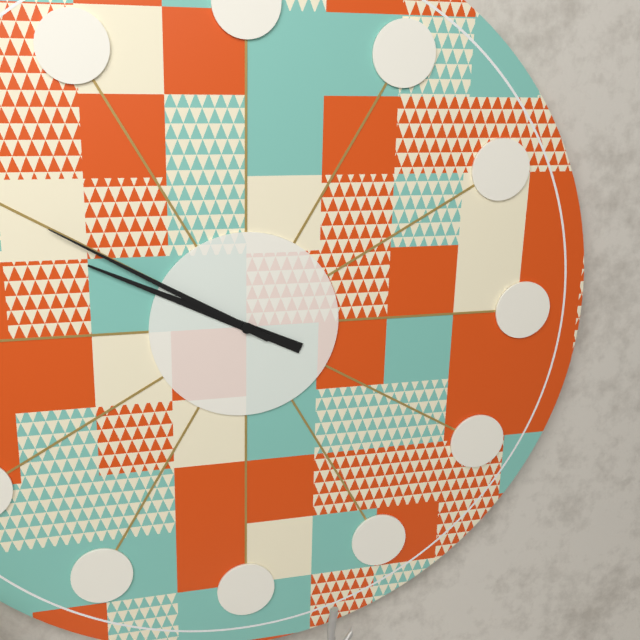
9:50
